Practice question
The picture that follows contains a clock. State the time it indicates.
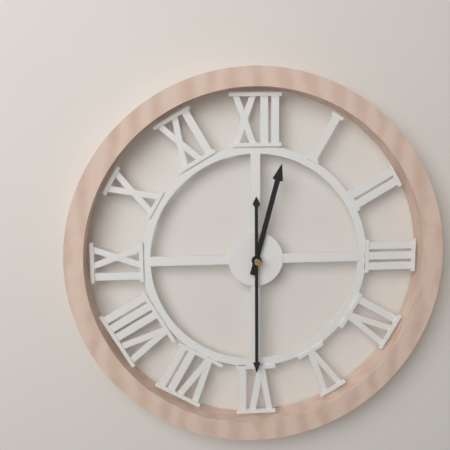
12:30
